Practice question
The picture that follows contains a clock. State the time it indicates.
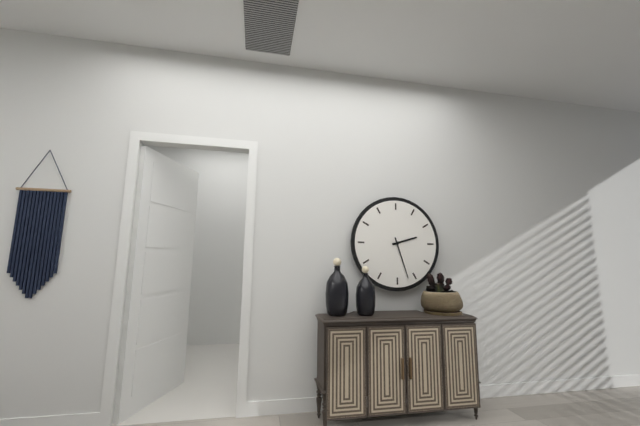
2:27
